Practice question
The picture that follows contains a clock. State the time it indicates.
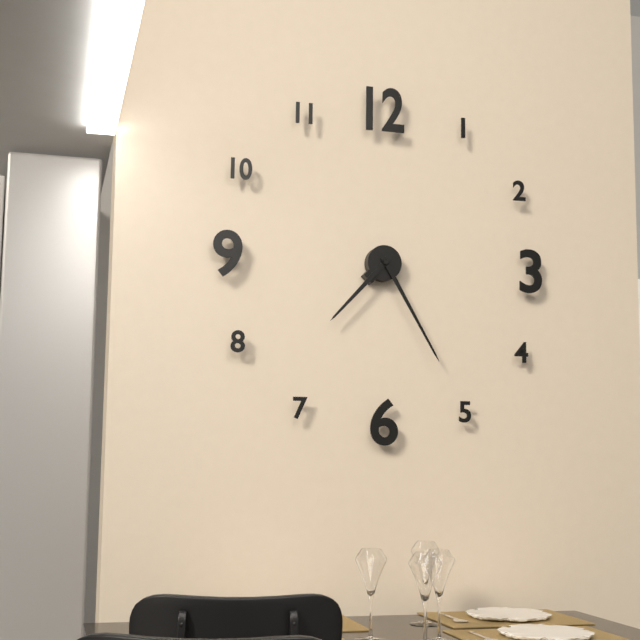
7:25
